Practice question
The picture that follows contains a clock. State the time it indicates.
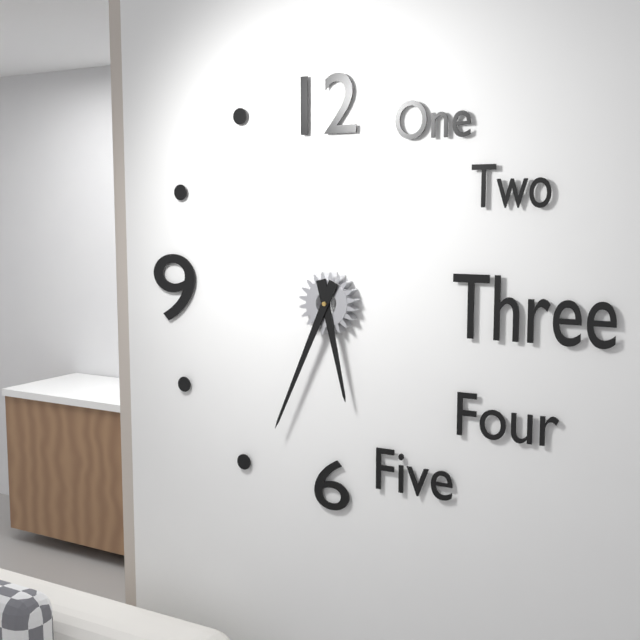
5:34
